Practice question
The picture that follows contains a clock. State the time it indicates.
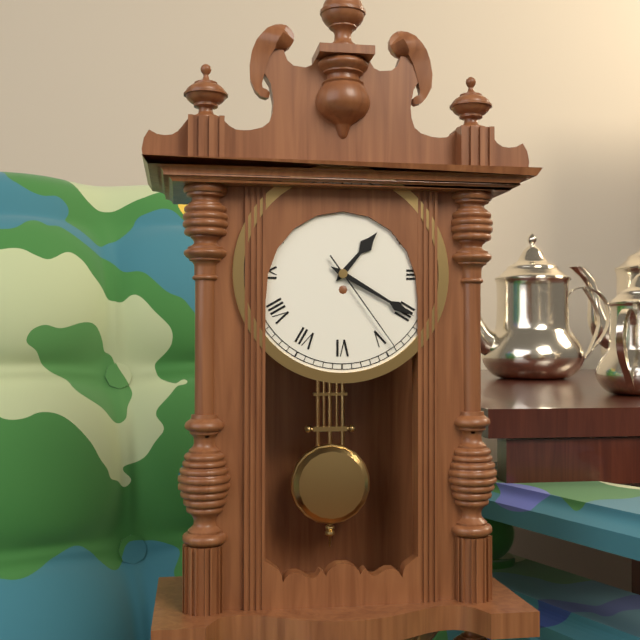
1:20:24
